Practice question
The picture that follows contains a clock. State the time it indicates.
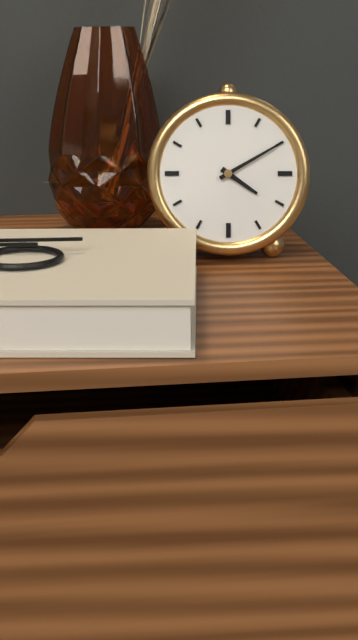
4:10
